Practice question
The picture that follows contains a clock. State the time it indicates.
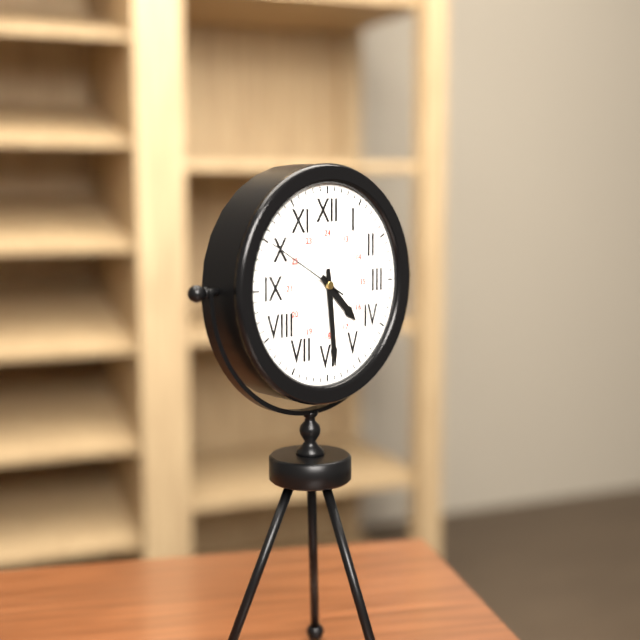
4:29:50
